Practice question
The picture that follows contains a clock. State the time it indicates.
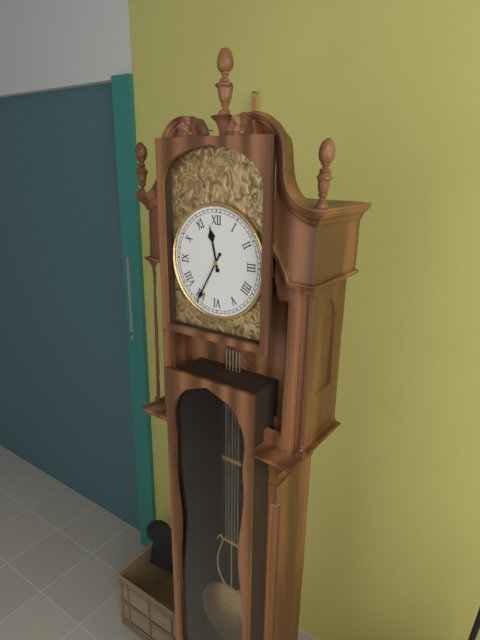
11:35
